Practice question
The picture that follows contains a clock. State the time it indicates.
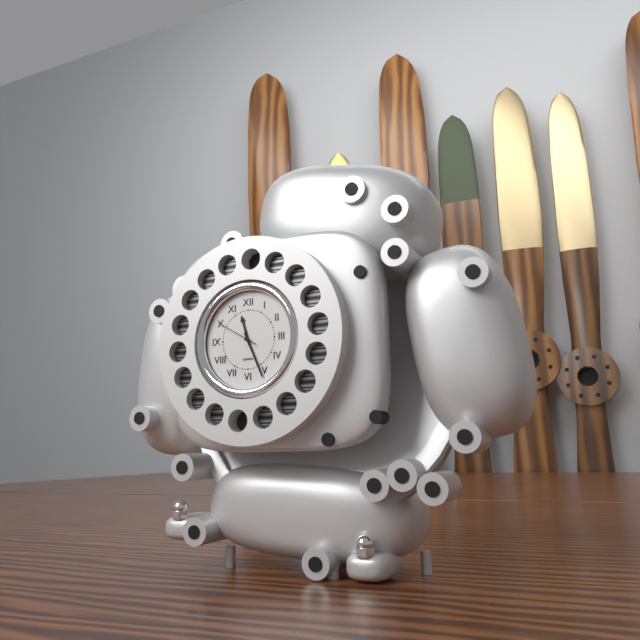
11:26
